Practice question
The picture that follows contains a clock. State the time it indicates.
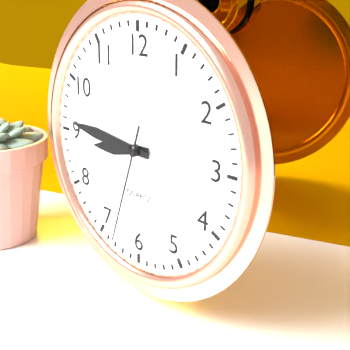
8:46:33
